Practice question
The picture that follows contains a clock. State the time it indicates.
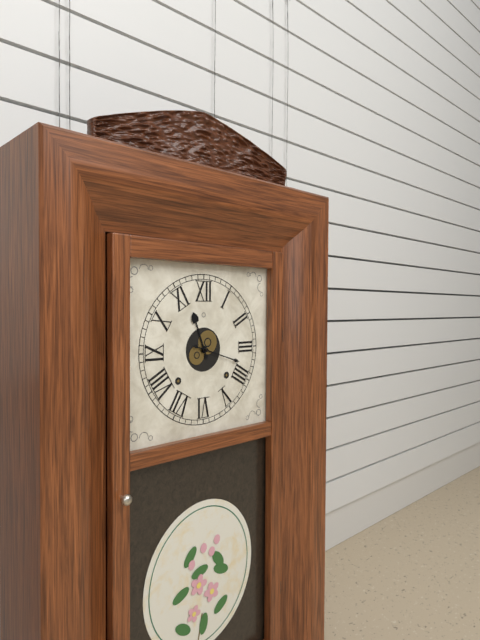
11:18
